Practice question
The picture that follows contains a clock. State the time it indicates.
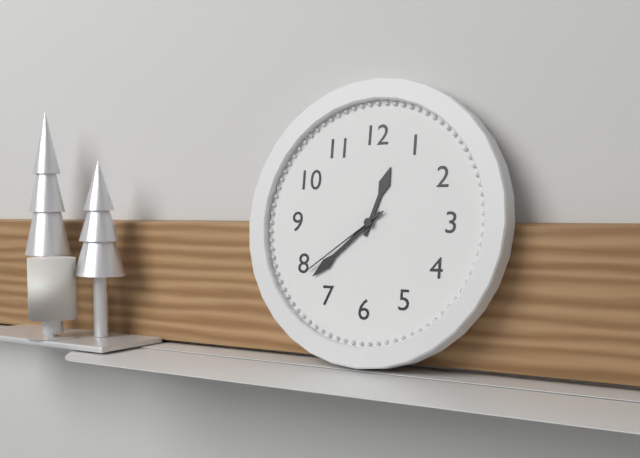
12:38:39
